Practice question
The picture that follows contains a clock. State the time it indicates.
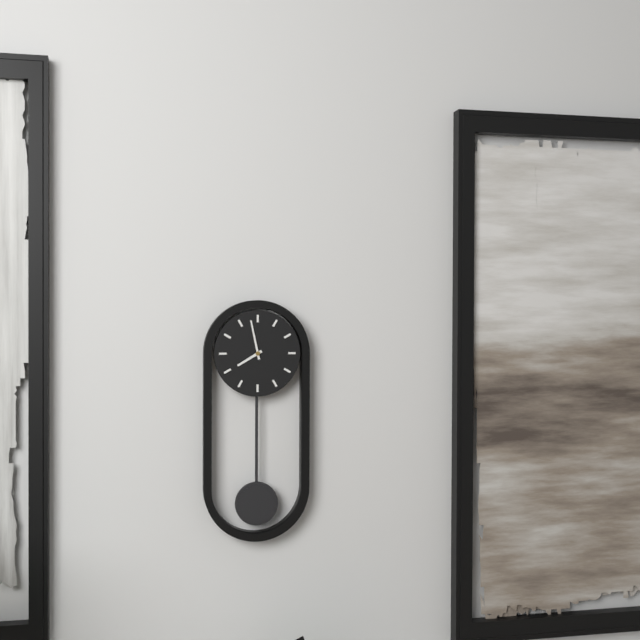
7:58
